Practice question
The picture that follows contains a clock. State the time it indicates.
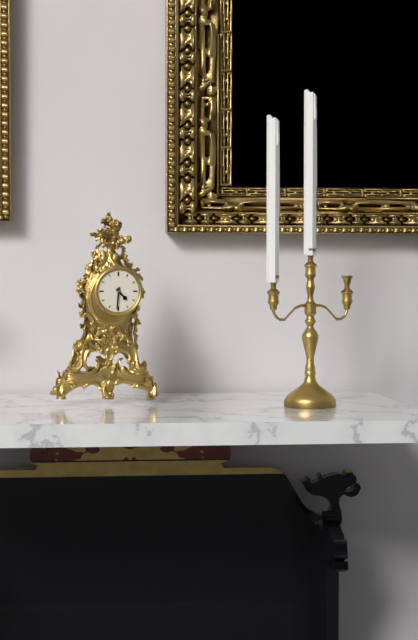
4:31
